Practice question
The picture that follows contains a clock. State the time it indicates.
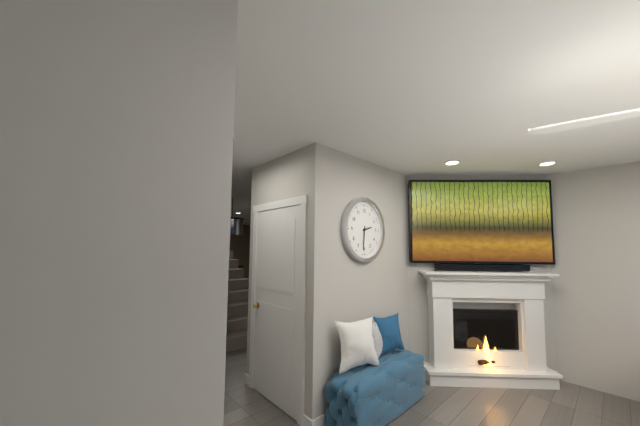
2:31
